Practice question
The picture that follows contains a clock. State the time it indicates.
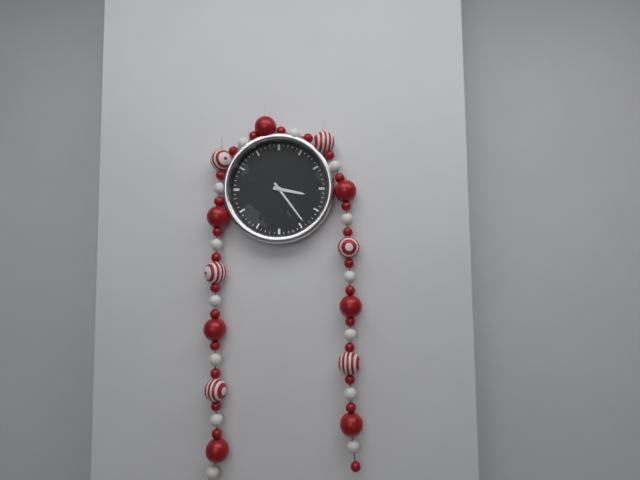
3:24
